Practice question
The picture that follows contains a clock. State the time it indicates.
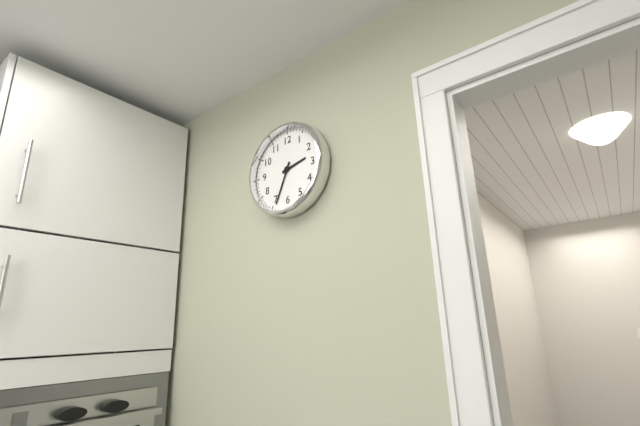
2:34
